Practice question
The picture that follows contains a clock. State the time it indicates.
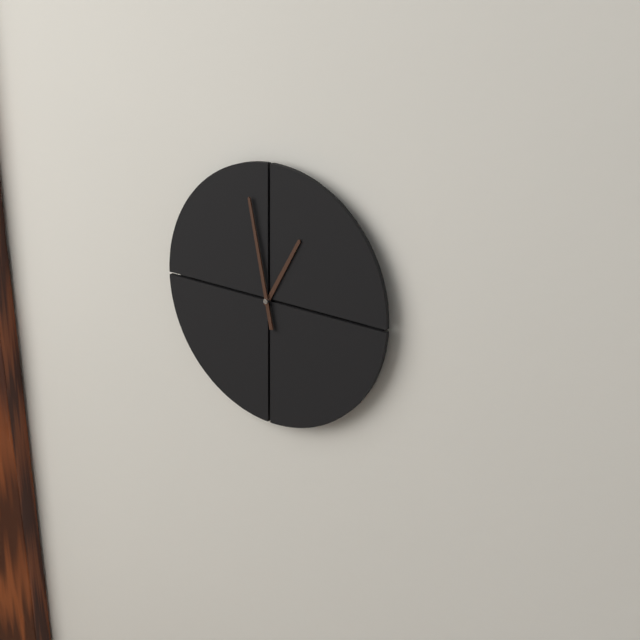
12:58
